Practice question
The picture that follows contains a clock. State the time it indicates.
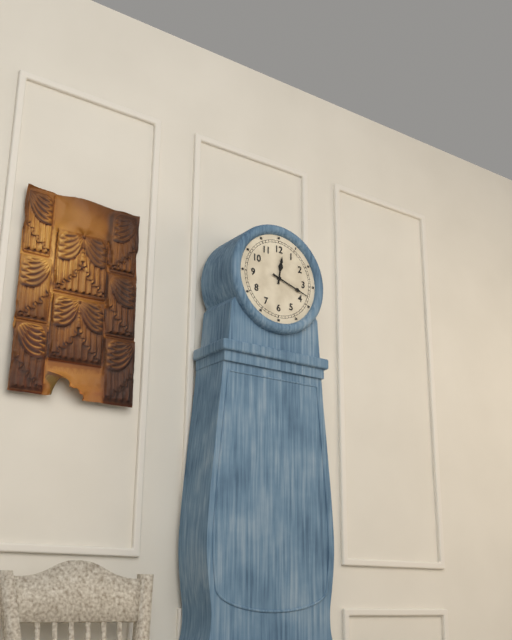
12:18
